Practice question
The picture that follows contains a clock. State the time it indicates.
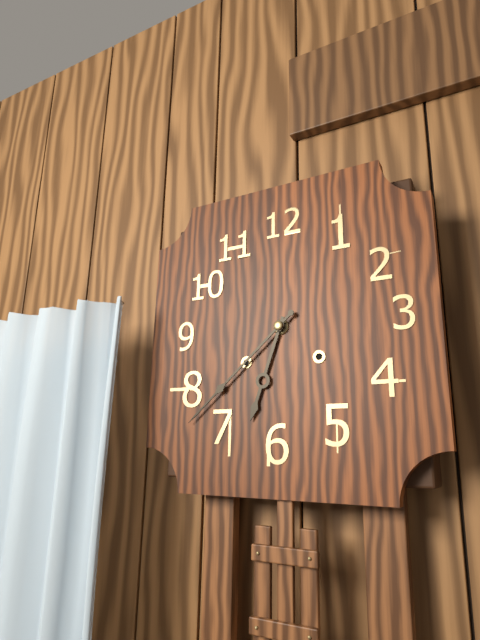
6:38
